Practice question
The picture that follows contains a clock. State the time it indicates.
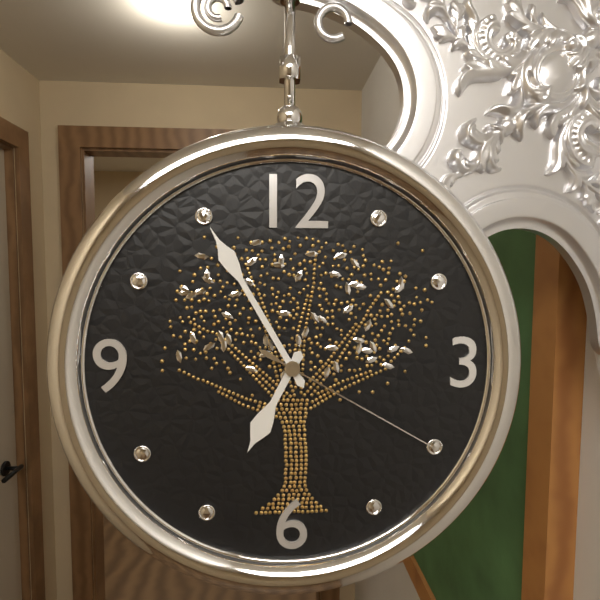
6:55:20
